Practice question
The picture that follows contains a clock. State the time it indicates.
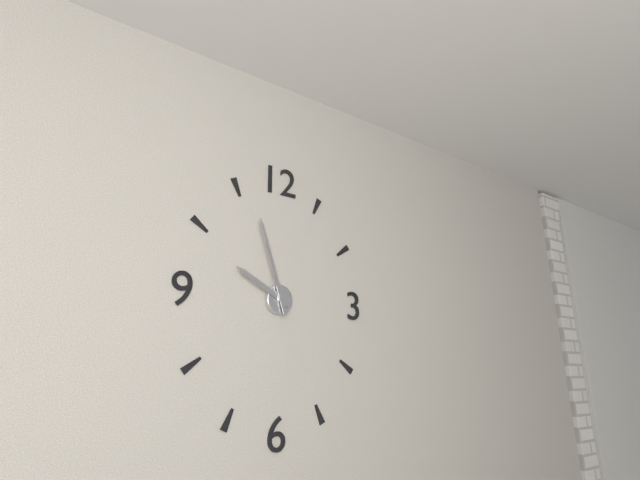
9:57
